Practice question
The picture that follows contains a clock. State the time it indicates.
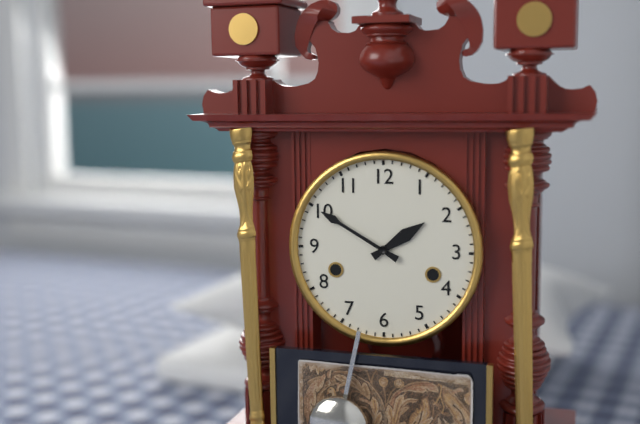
1:50
